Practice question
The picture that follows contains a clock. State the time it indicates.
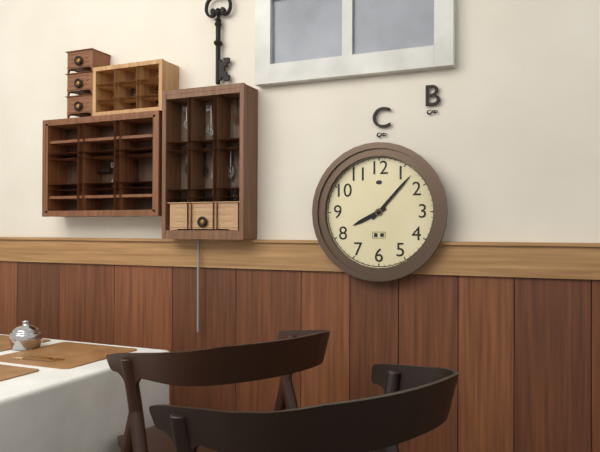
8:07
